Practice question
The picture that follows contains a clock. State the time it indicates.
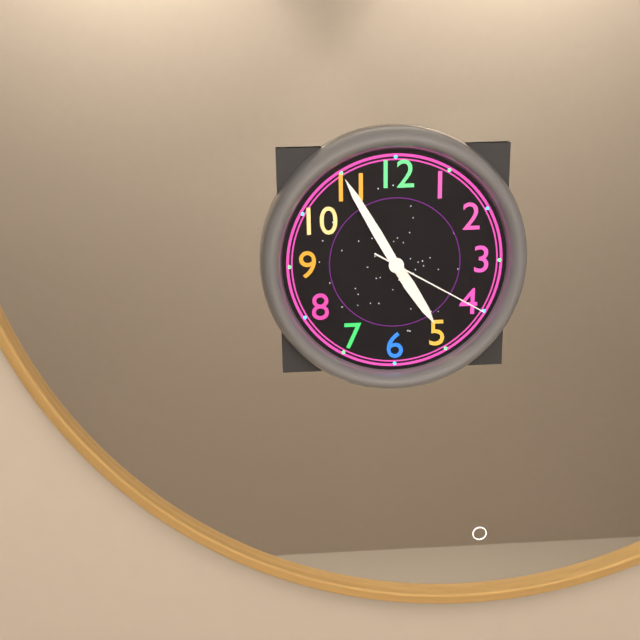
4:55:20
